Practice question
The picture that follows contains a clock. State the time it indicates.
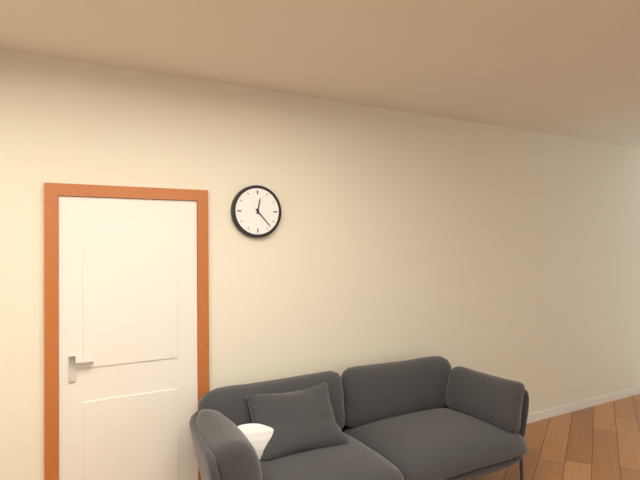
12:23
